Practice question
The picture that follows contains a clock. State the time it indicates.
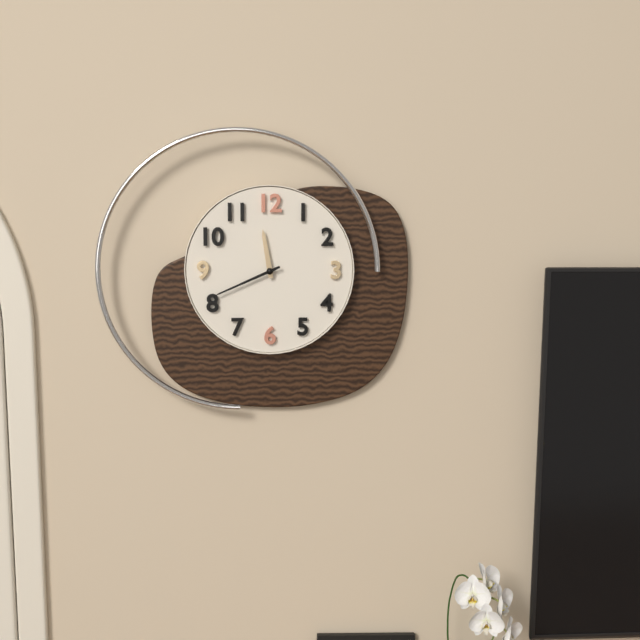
11:41
